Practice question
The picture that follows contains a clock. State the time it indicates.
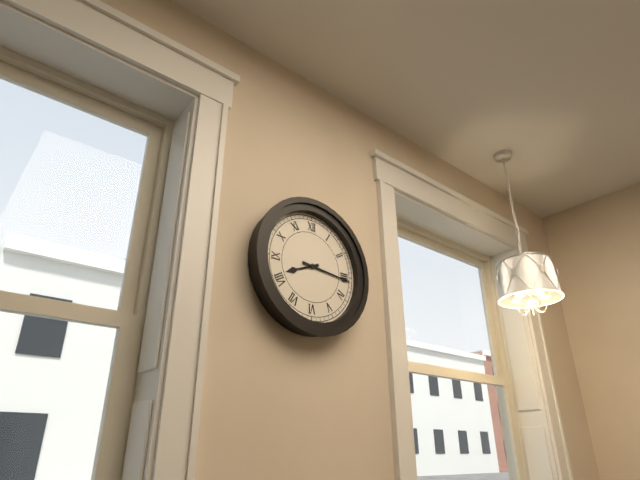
8:16
